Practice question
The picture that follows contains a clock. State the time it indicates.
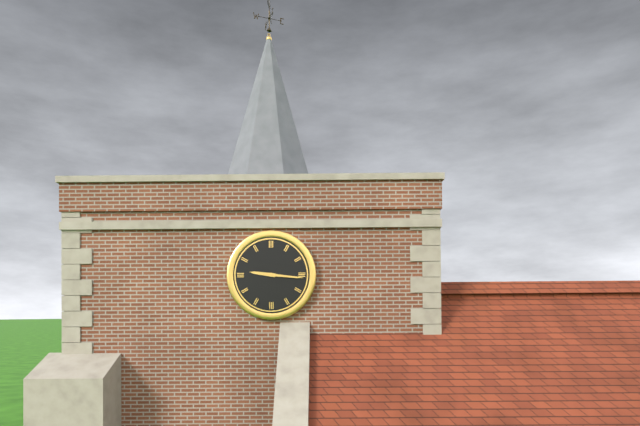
9:16
